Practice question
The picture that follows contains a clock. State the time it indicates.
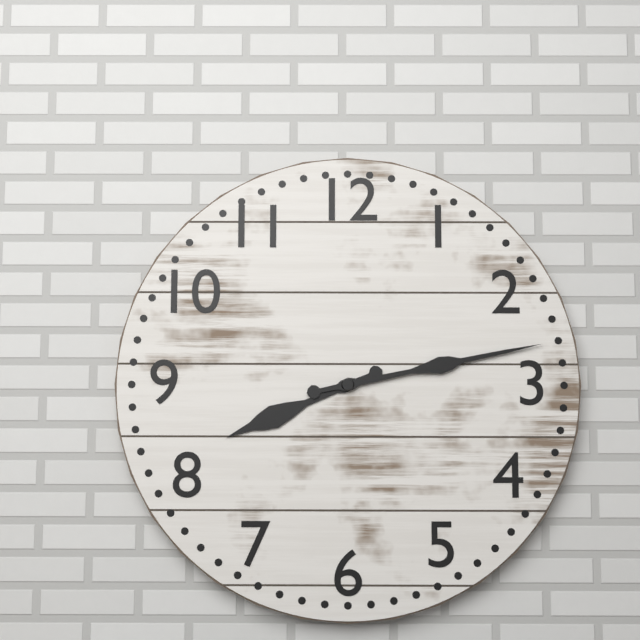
8:13
